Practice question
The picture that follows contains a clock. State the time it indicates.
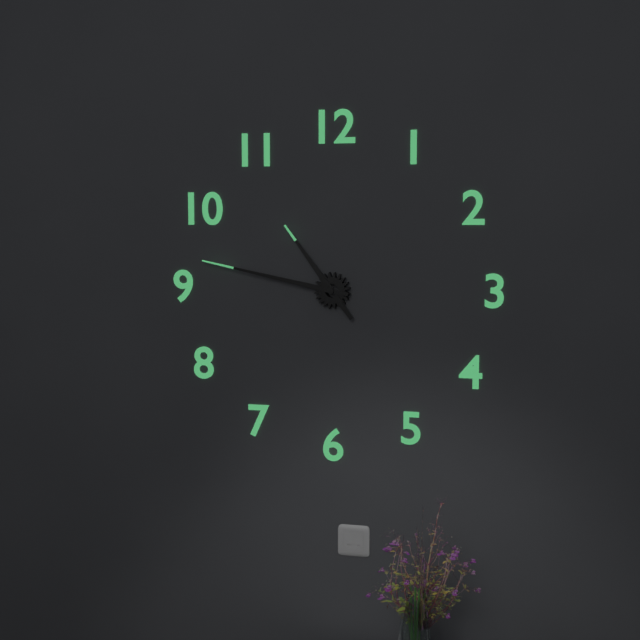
10:47
